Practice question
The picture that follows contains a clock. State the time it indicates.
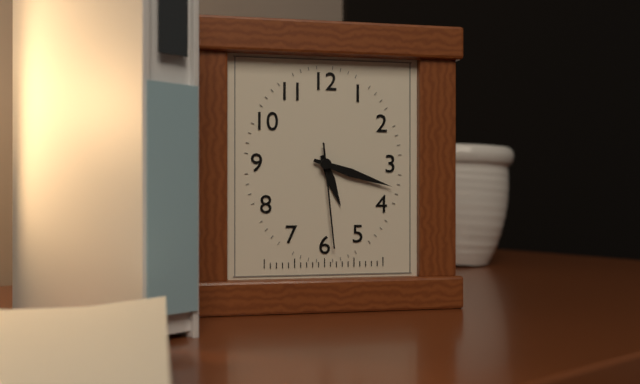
5:18:29
